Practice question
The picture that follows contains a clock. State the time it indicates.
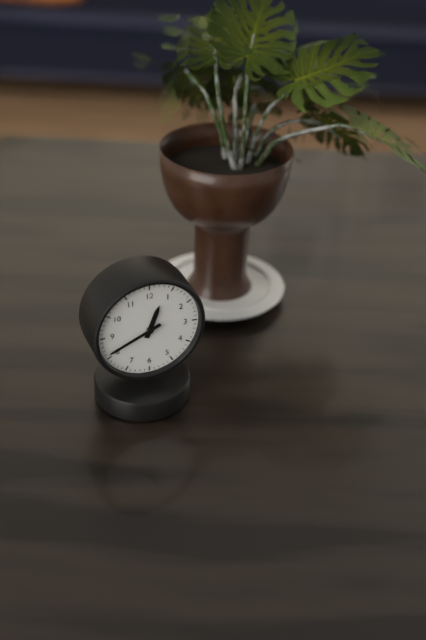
12:41
